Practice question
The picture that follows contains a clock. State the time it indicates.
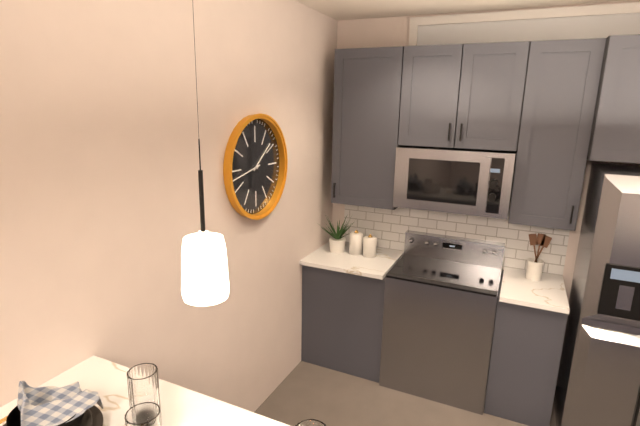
1:43
